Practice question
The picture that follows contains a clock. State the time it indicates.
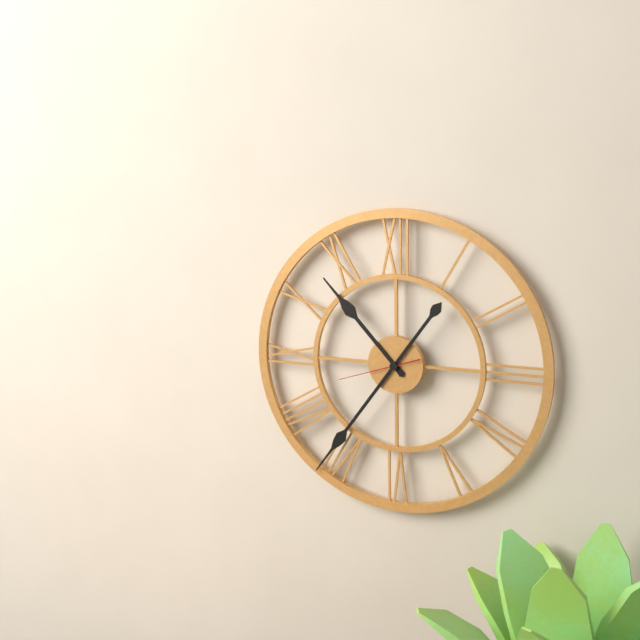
10:36:42
